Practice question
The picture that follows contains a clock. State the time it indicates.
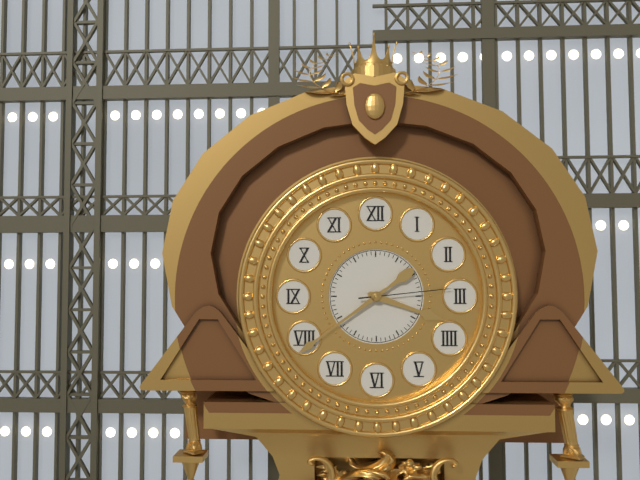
3:39:14
